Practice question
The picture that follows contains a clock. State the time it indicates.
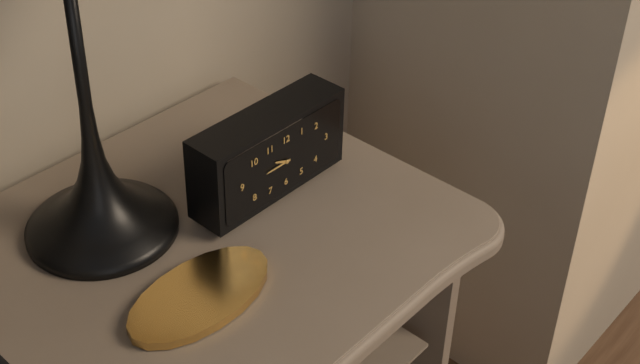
9:45
